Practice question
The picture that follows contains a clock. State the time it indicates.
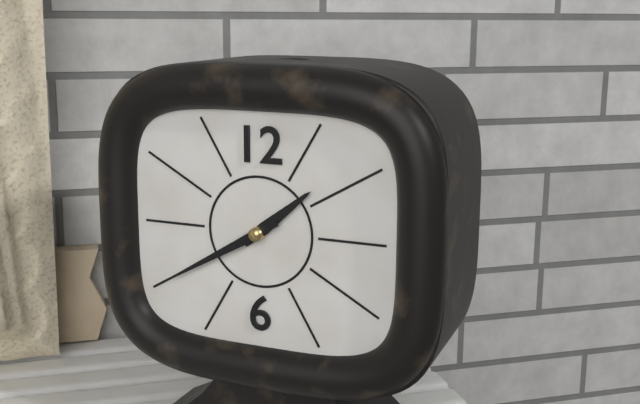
1:40
